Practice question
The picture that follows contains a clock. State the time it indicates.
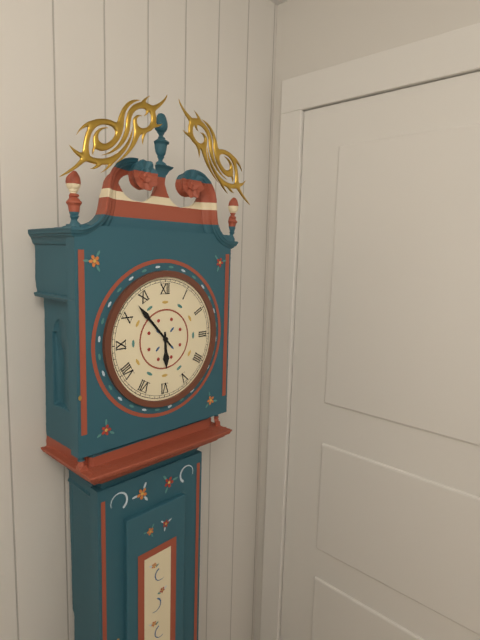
5:53
